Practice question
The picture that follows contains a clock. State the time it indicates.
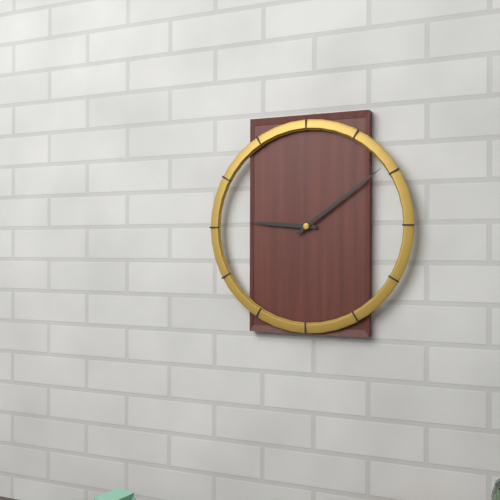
9:09
